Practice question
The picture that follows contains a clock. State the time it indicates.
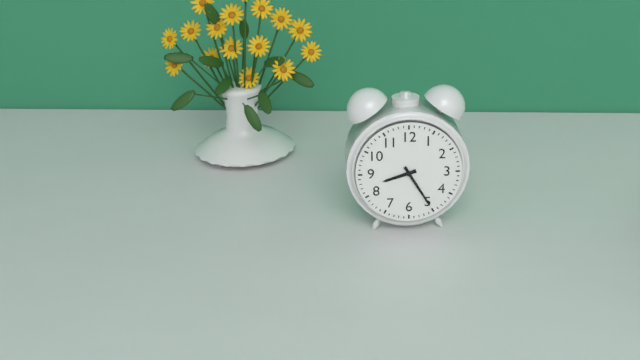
8:25
